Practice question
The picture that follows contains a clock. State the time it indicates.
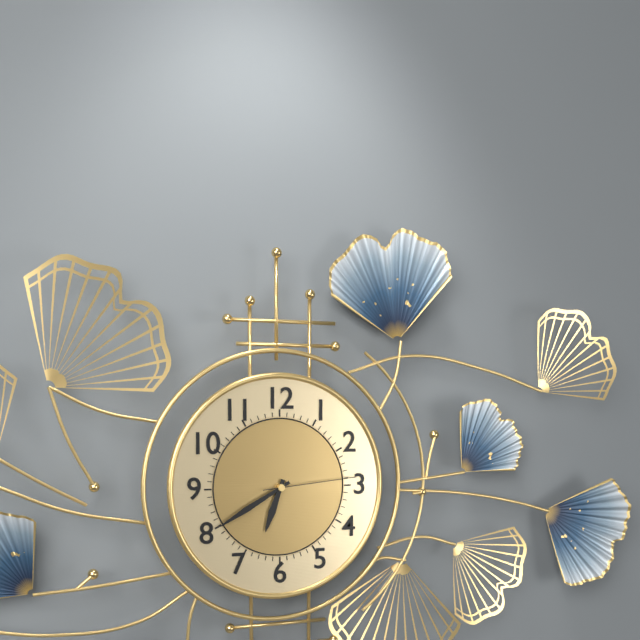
6:40:14
